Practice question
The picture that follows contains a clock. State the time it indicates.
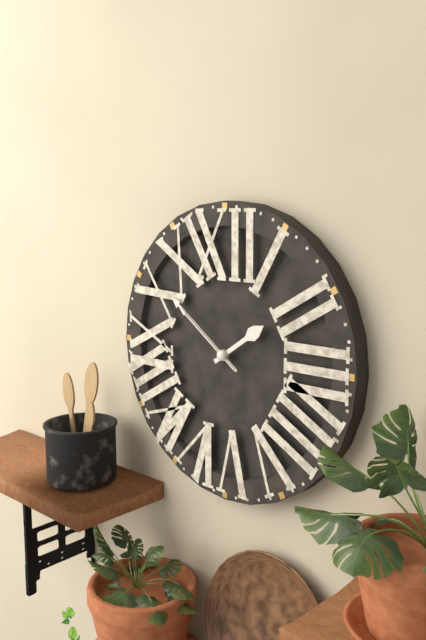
1:51:51
